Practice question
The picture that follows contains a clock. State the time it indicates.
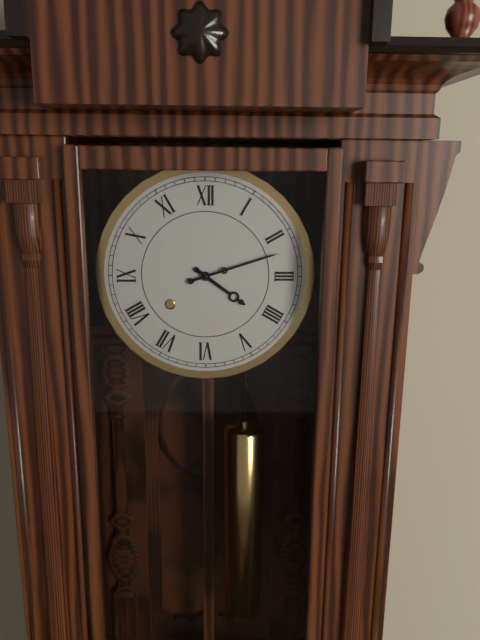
4:12
